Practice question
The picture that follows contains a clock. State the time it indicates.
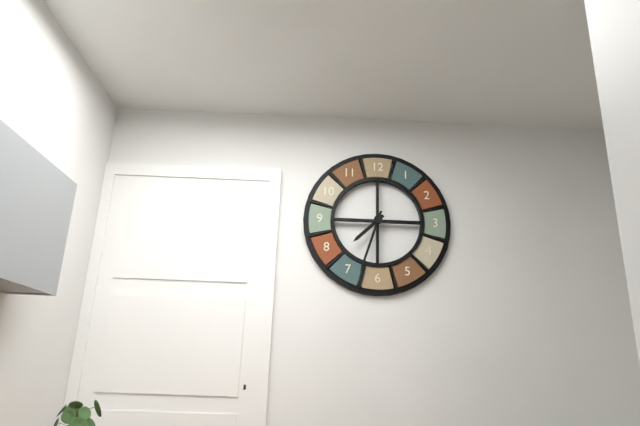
7:33
